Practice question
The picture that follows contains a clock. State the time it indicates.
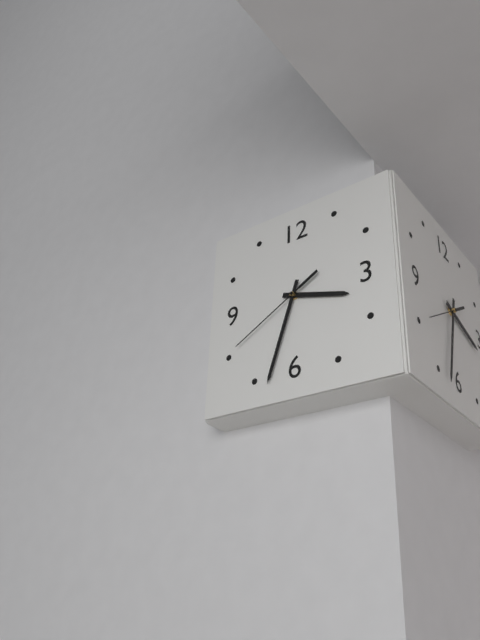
3:33:40
